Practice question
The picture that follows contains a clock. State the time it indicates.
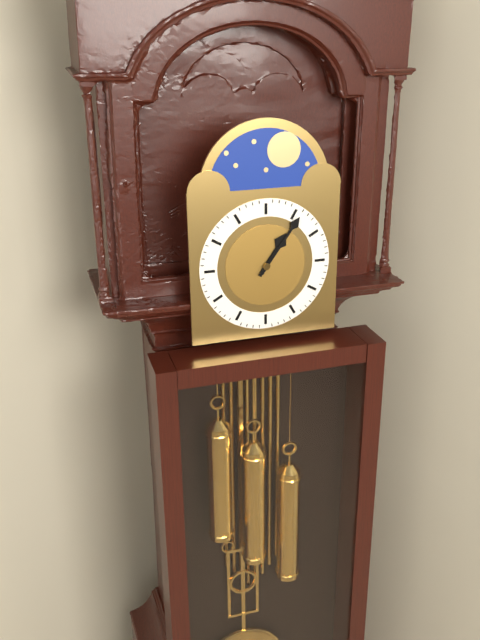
1:06
